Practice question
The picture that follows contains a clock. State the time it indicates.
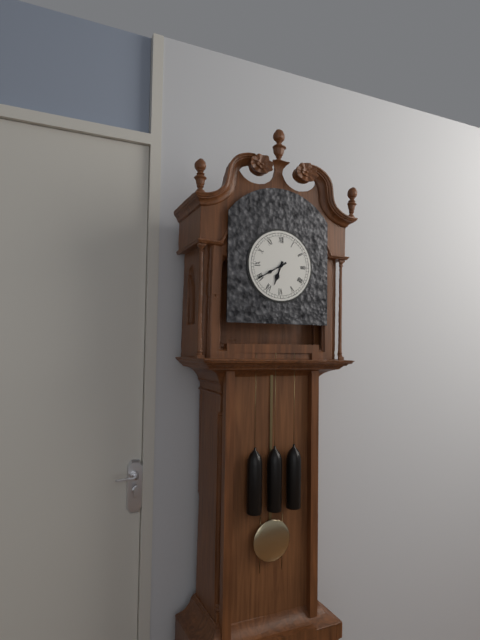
6:40
